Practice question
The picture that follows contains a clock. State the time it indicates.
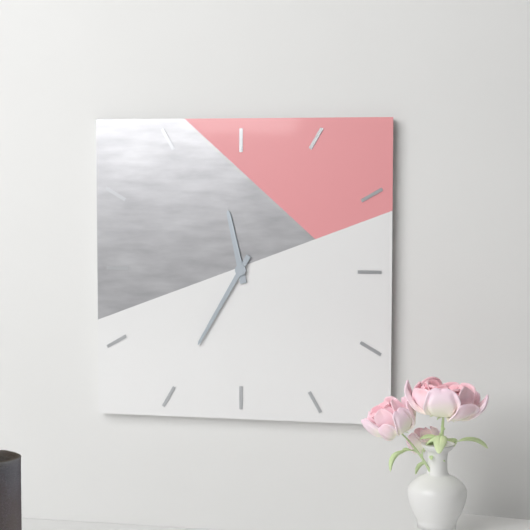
11:35
